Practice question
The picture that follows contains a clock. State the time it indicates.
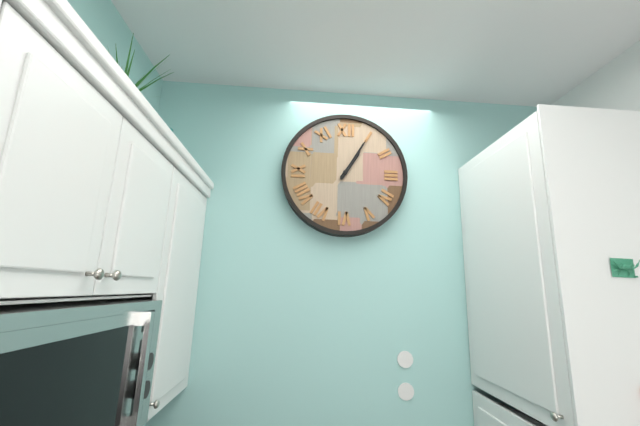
1:05
